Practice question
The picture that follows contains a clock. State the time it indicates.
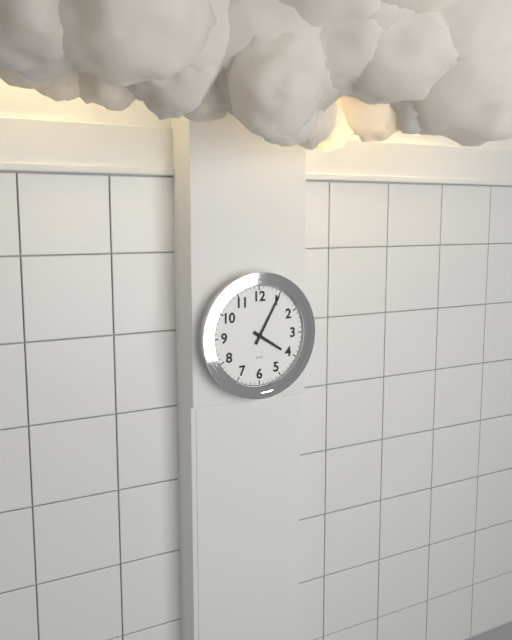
4:05
